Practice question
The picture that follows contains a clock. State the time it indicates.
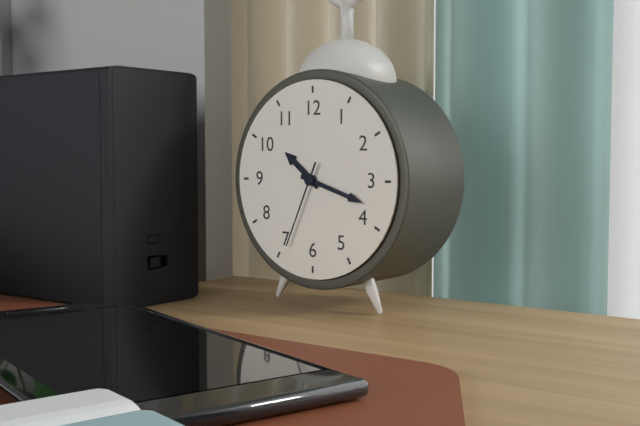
10:18:34
